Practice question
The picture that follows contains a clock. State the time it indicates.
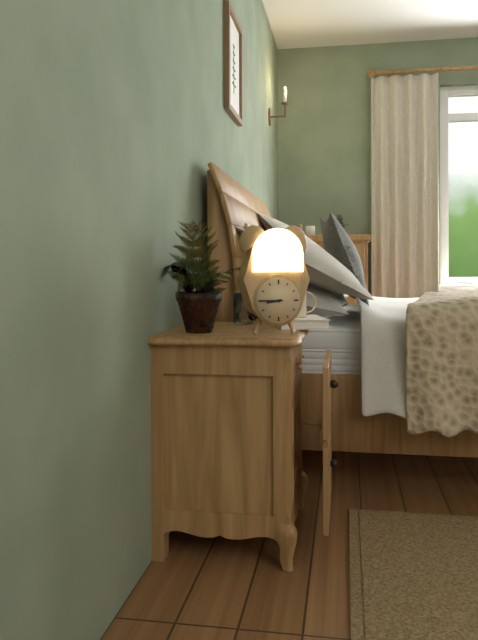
8:45
